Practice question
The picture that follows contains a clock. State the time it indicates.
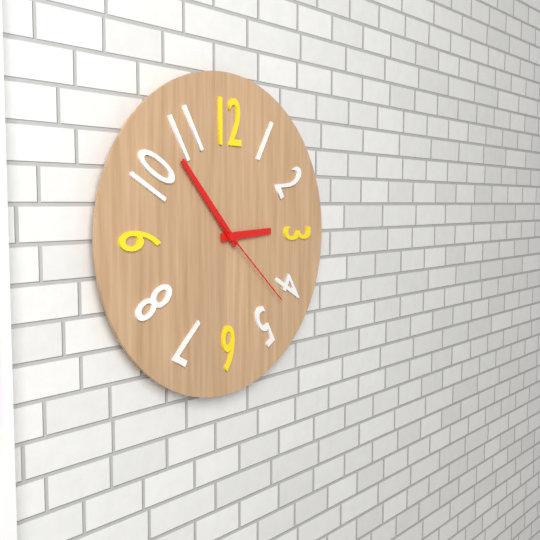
2:53:22
